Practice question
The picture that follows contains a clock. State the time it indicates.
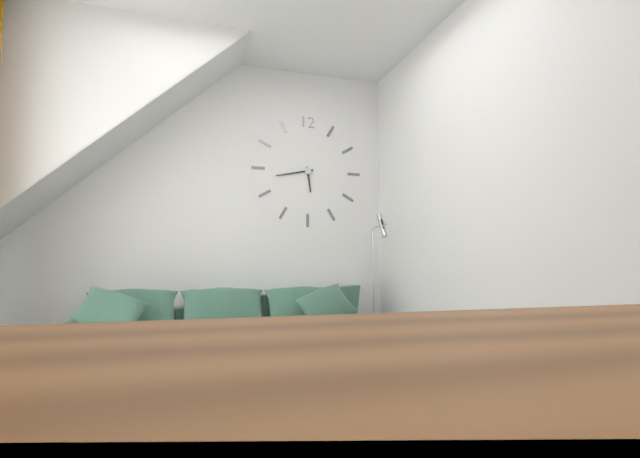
5:43
